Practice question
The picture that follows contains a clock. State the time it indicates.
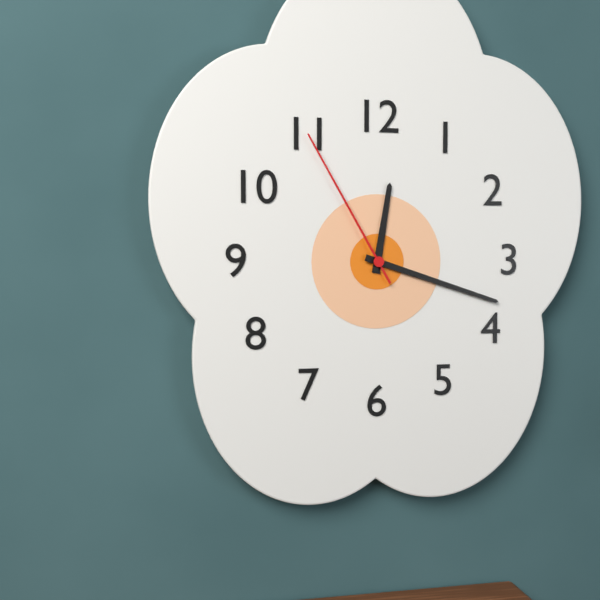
12:18:55
